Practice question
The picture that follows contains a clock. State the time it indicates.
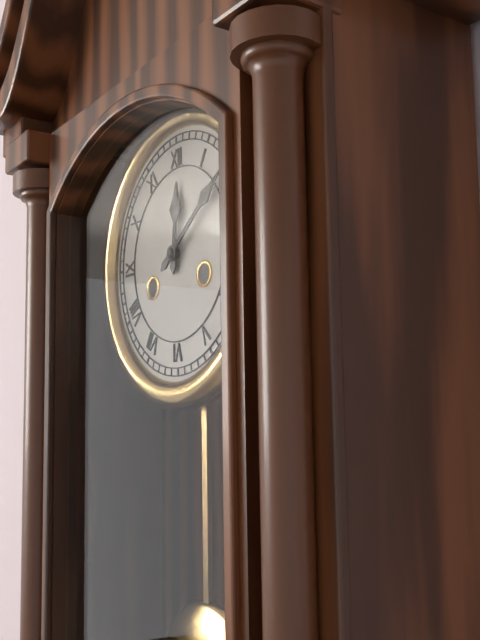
12:09
